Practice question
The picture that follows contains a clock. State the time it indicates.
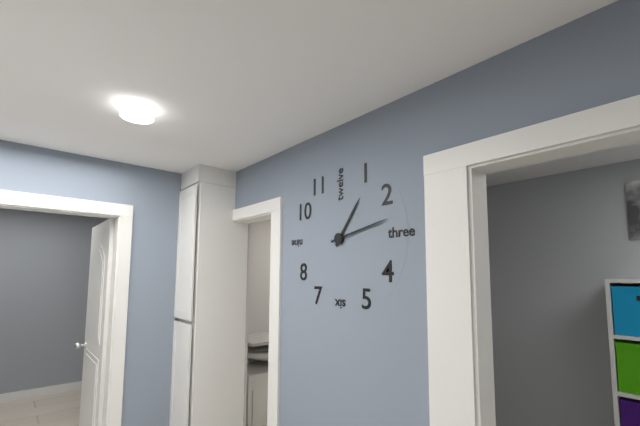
1:13
